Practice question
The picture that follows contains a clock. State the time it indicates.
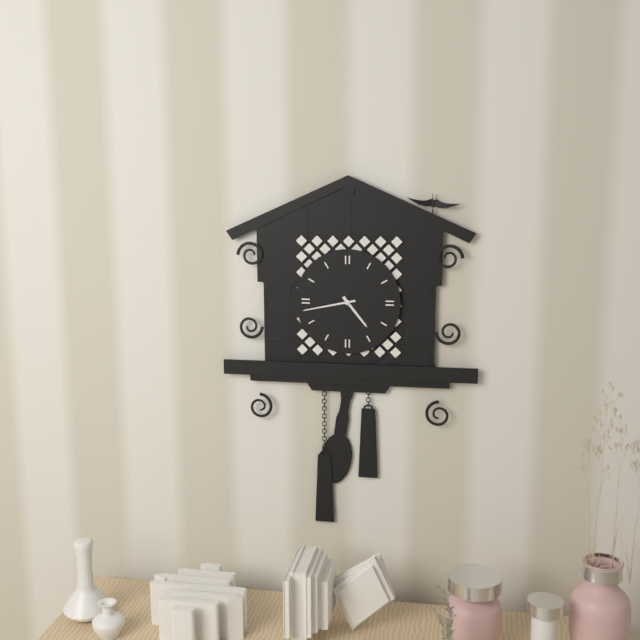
4:43
